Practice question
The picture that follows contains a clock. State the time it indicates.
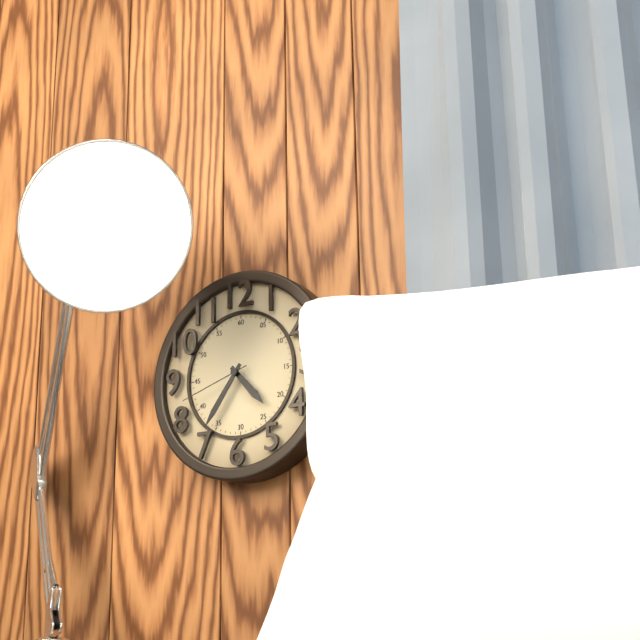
4:36:42
